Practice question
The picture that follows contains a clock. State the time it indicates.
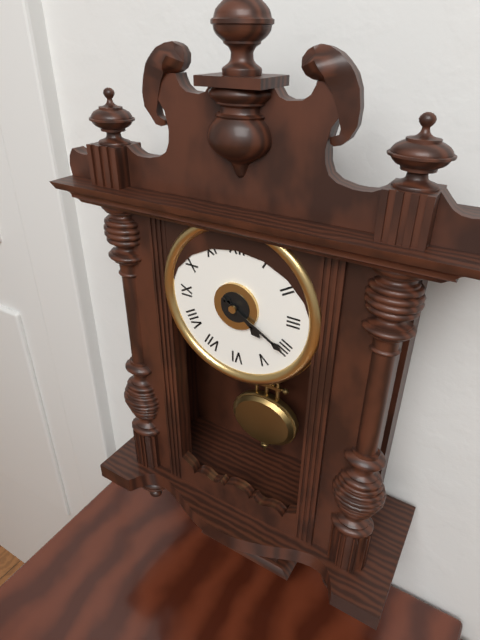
4:20
